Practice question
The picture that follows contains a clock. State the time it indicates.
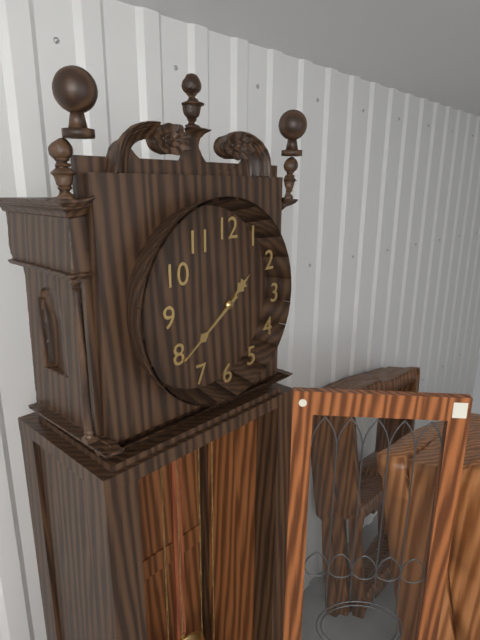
1:39
